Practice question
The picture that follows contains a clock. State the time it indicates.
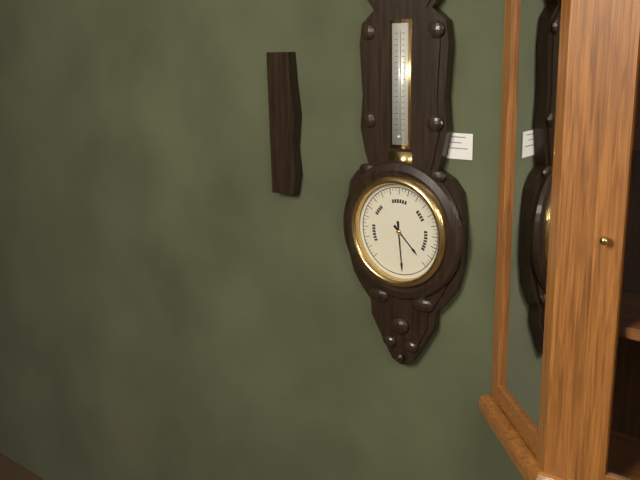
4:29
